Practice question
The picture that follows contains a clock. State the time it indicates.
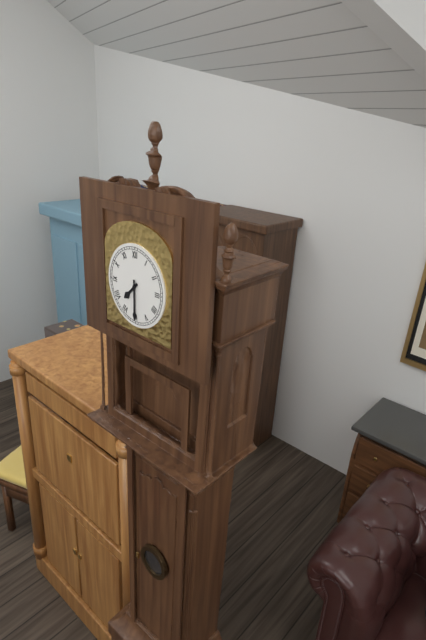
7:30
